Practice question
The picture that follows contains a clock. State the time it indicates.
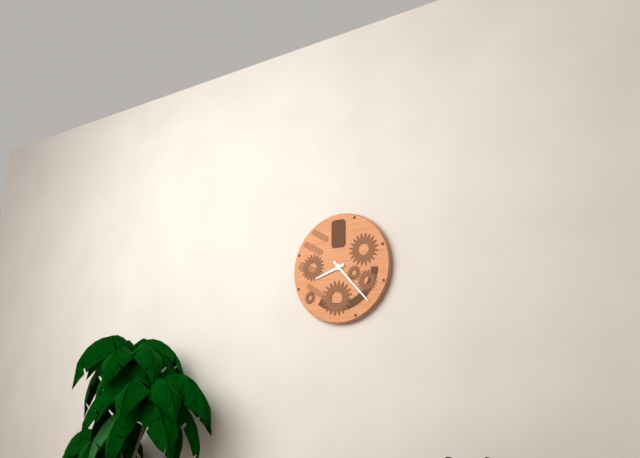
8:23
